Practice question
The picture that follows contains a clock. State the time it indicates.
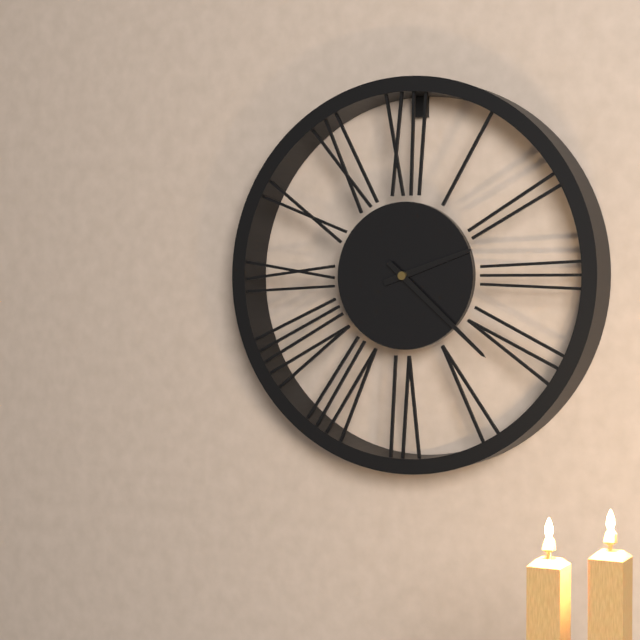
2:22
